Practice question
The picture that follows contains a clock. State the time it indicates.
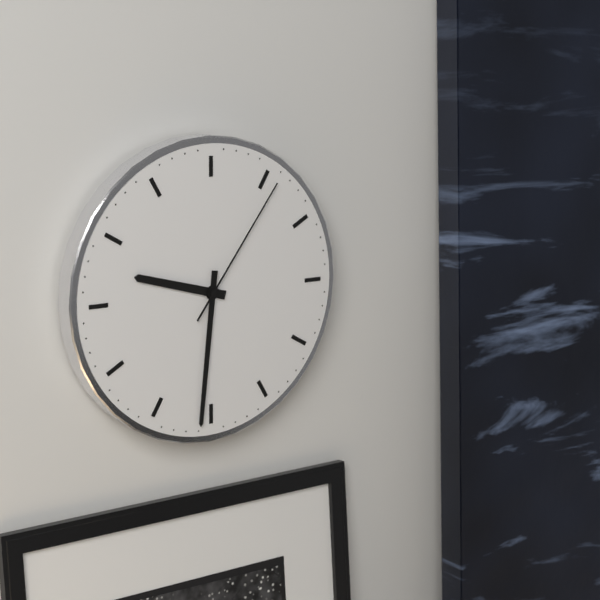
9:31:06
